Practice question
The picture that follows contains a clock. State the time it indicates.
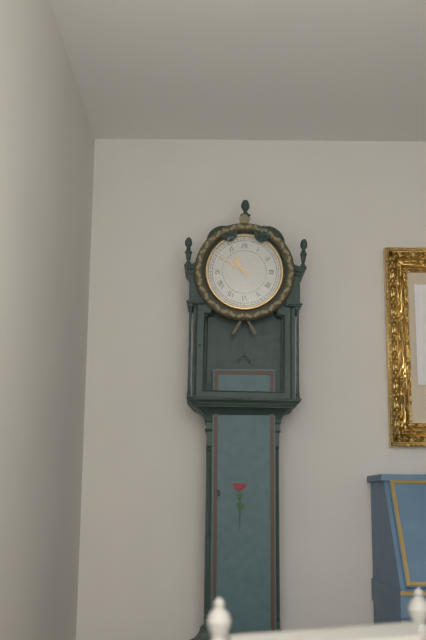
10:50
